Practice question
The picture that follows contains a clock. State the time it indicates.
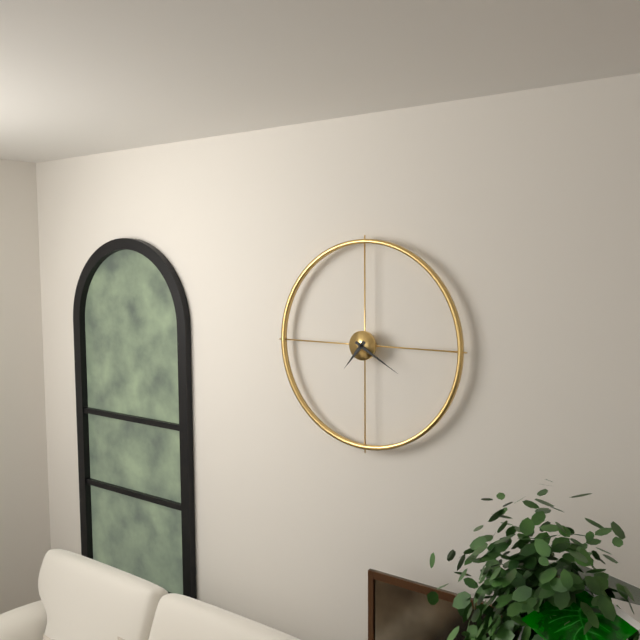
7:20
